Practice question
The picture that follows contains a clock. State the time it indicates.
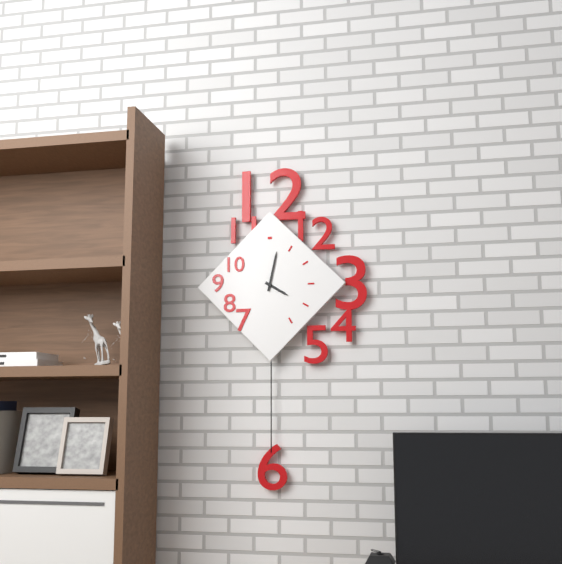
4:02
